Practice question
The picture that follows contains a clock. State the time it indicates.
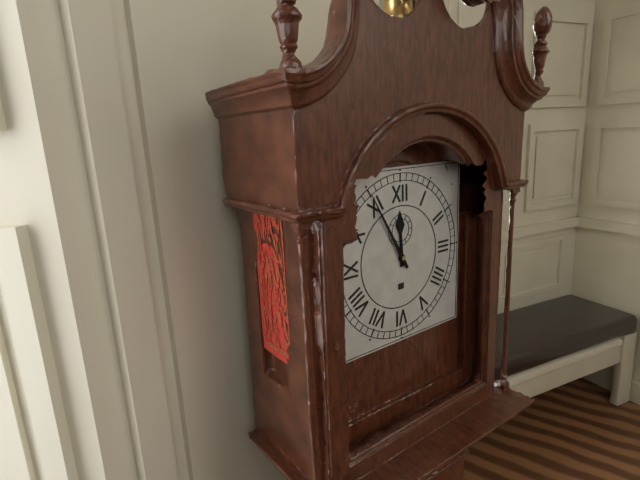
11:55
